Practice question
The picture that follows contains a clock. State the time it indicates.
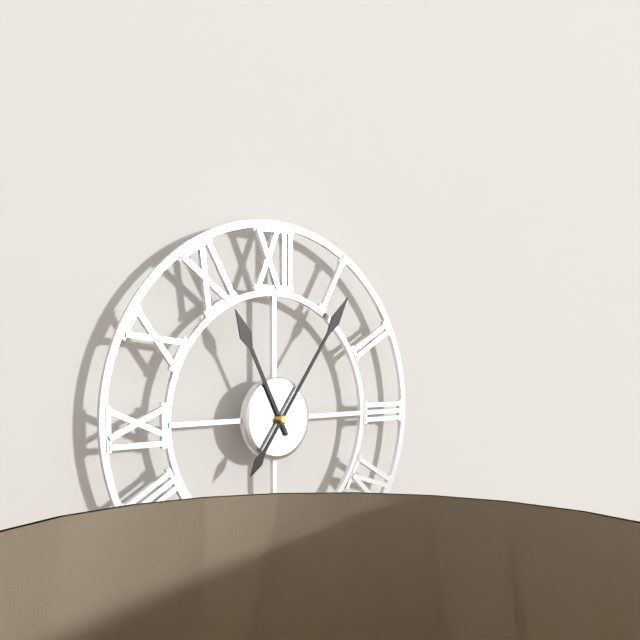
11:06
